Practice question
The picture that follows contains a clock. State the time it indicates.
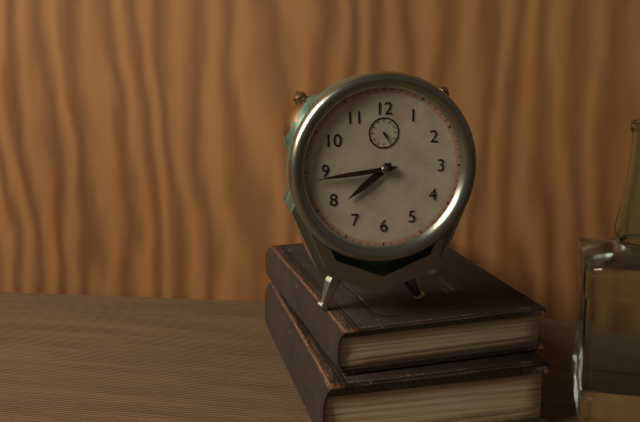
7:44
